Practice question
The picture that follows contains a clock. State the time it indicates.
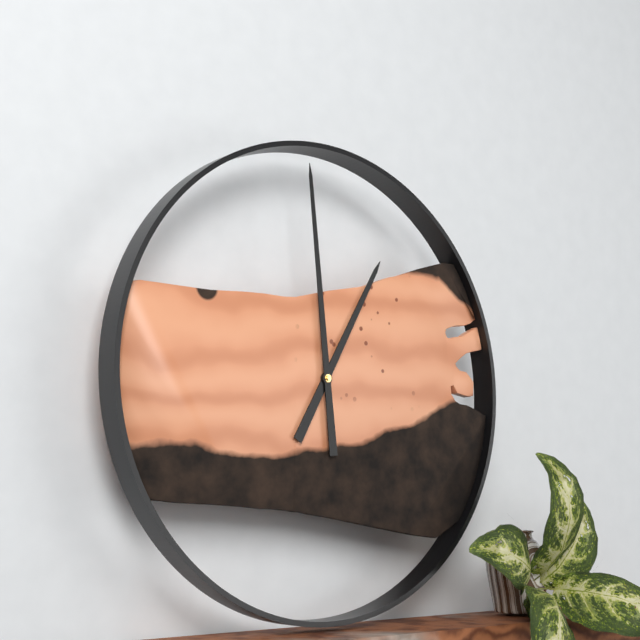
12:59
